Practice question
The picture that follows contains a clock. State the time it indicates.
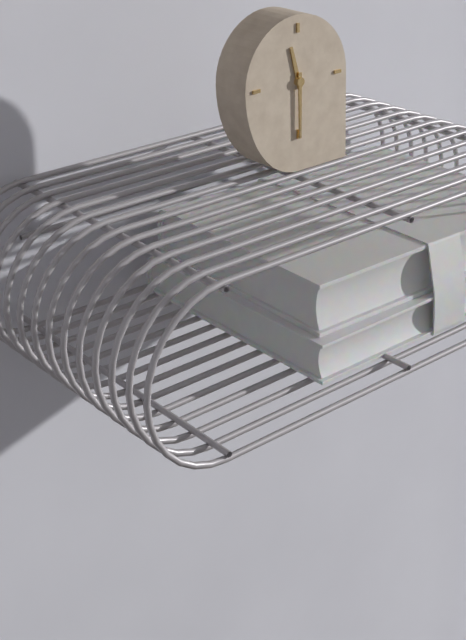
11:30
